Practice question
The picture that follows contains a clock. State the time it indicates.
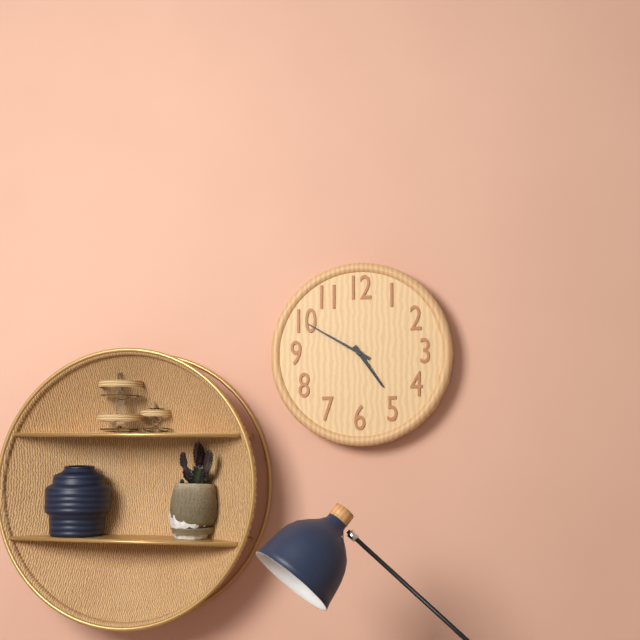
4:50
